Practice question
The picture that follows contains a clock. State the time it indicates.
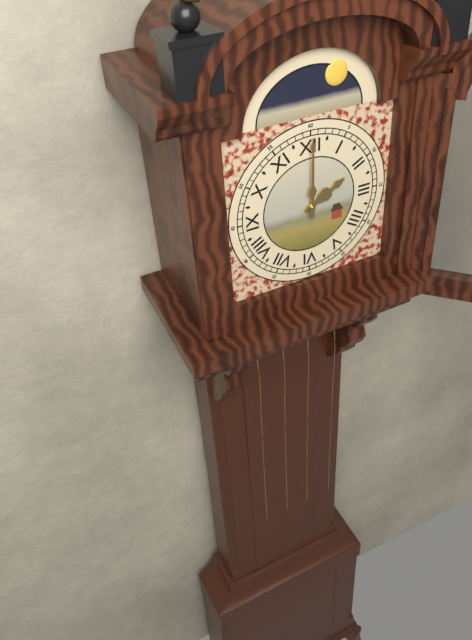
2:00
